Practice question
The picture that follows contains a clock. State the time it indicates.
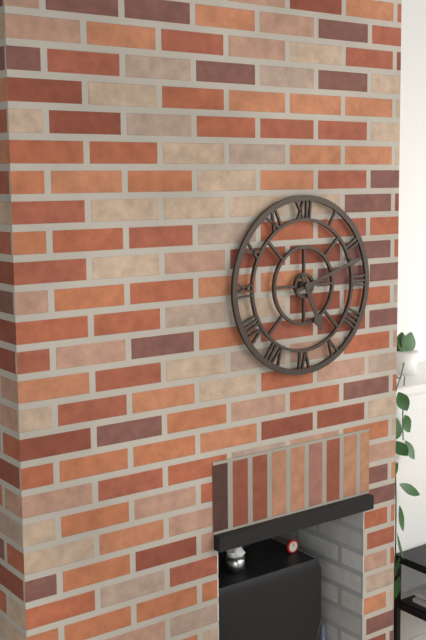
5:12
